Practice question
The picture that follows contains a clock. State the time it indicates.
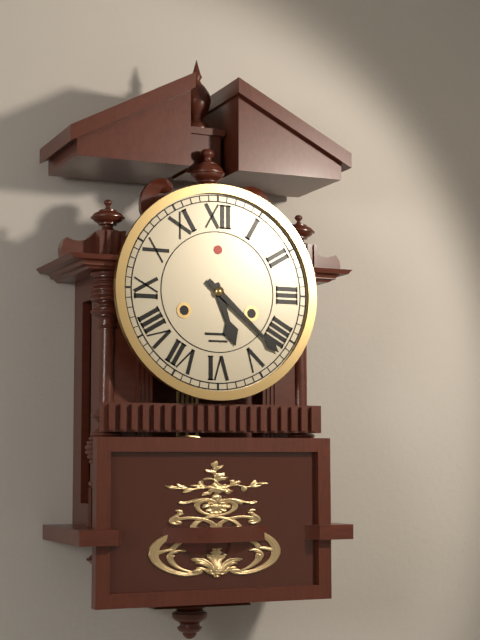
5:22
